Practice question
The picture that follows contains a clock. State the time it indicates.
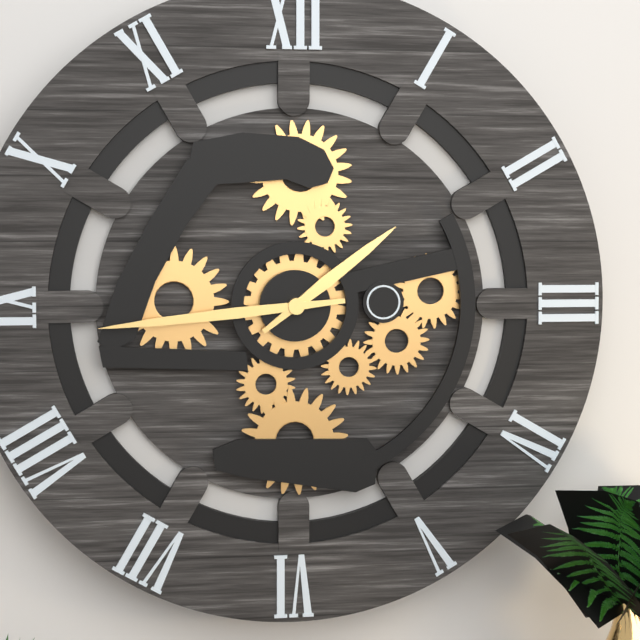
1:44
